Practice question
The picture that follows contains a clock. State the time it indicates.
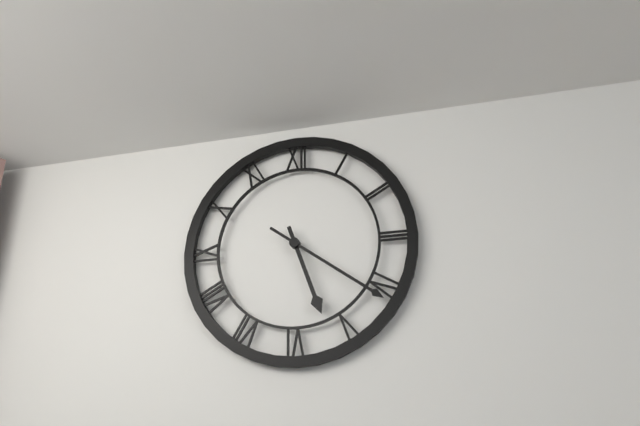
5:21
